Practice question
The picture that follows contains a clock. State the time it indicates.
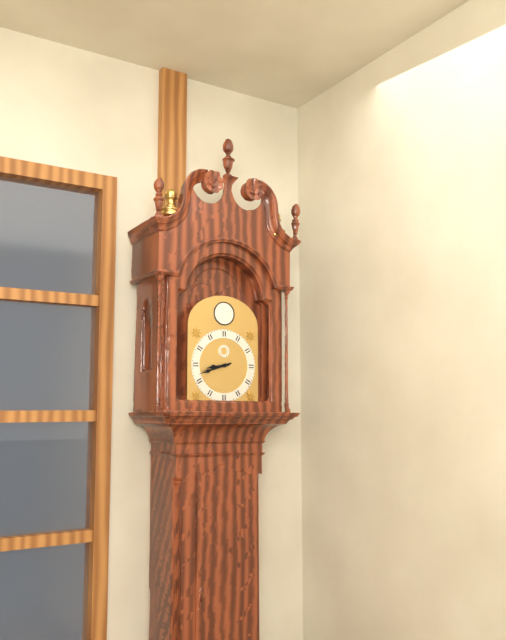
8:42
